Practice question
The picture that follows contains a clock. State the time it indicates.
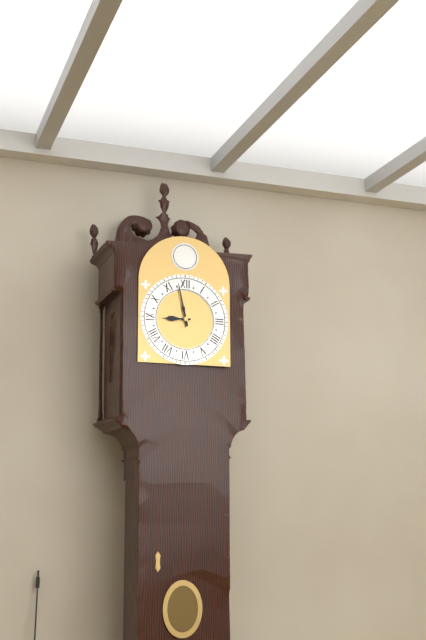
8:58
